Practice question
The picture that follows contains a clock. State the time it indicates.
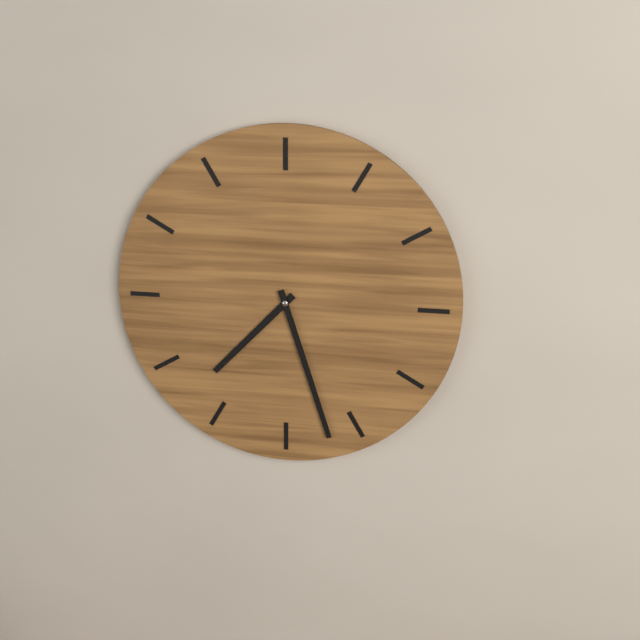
7:27
